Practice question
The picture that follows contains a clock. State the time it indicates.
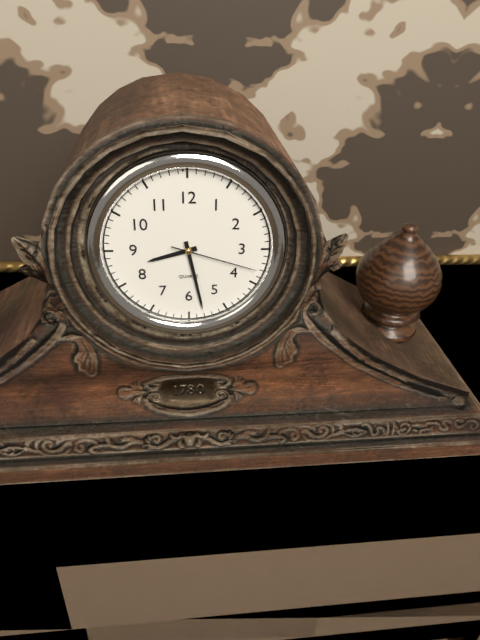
8:28:18
